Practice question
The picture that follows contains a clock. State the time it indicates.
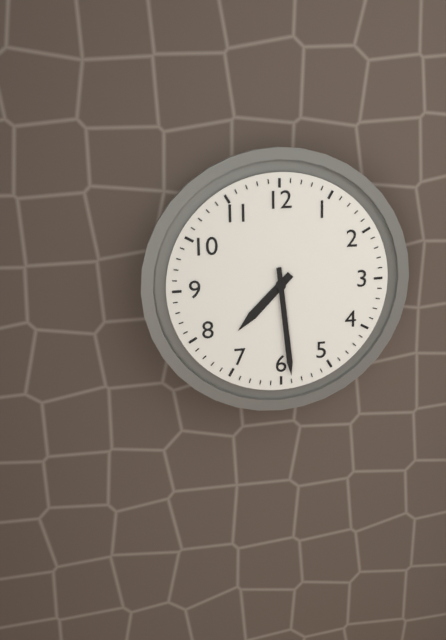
7:29
